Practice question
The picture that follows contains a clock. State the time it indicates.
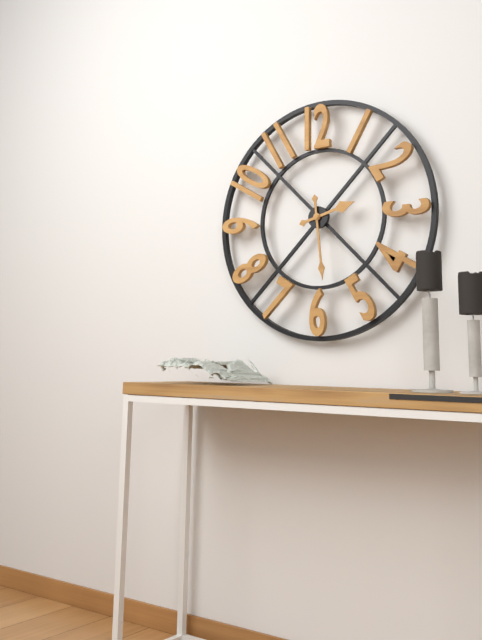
2:29
